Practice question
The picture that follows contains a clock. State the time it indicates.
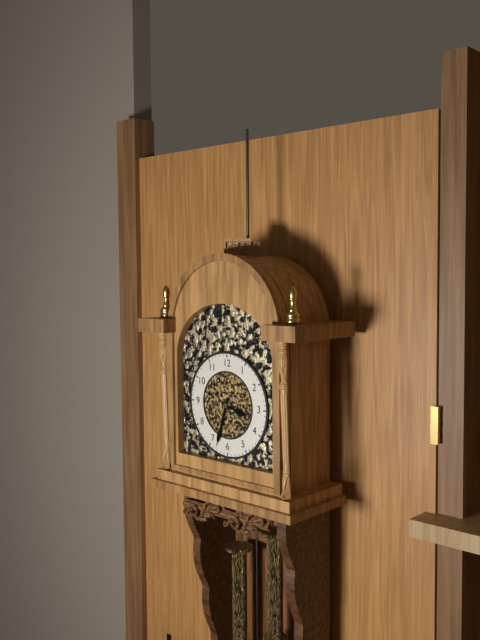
3:33
